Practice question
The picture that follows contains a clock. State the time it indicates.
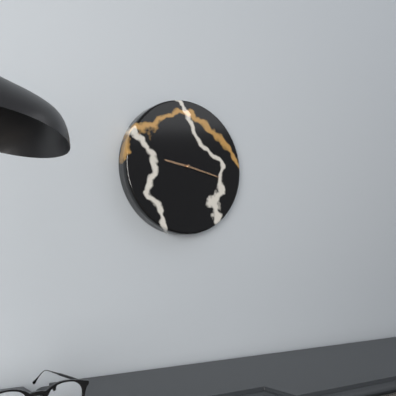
9:17
